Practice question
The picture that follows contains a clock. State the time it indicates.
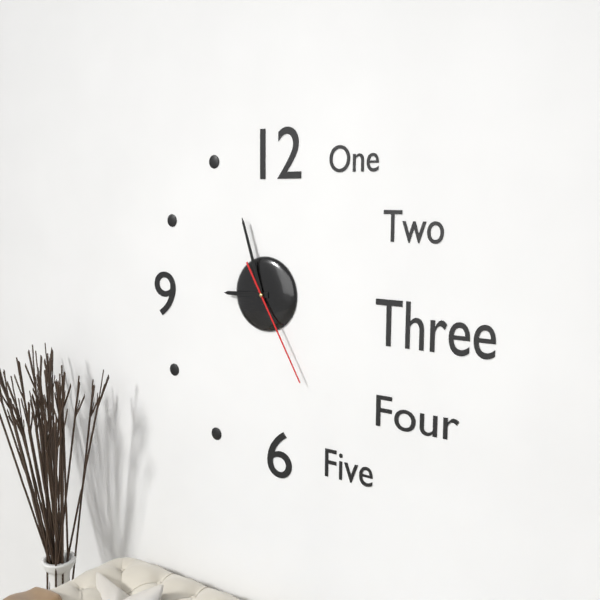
8:57:25
